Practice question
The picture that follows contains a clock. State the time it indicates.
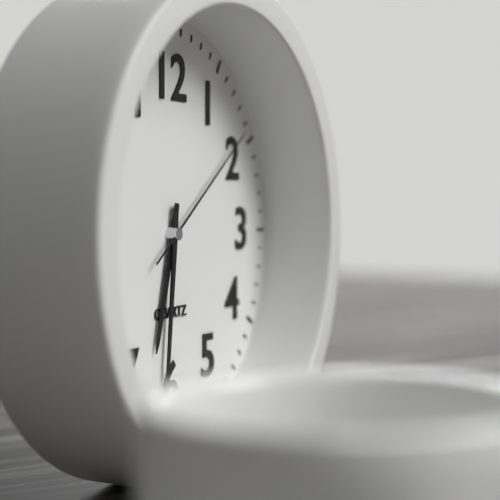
6:31:09
